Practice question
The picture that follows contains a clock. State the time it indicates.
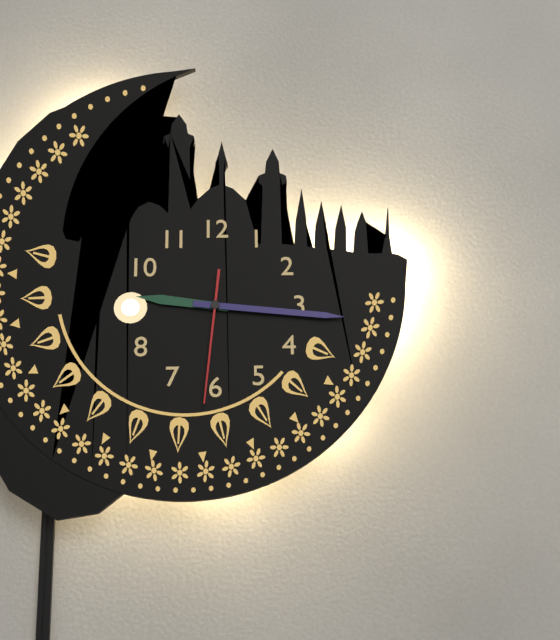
9:16:31
